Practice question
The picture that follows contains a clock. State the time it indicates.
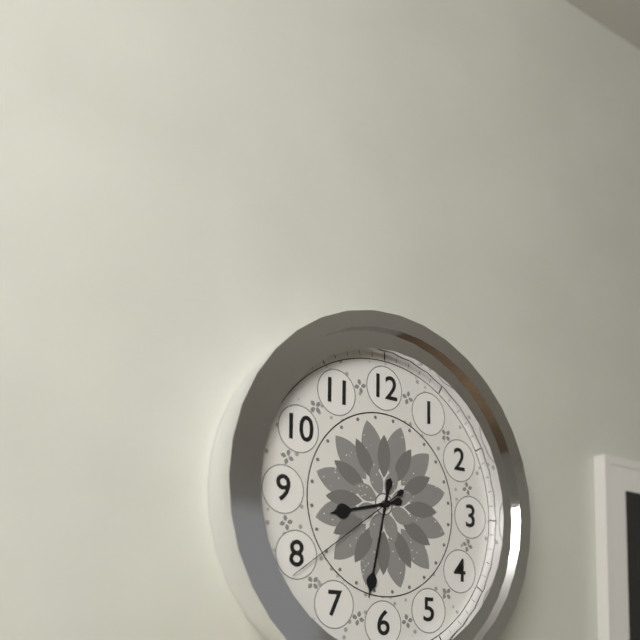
8:32:39
